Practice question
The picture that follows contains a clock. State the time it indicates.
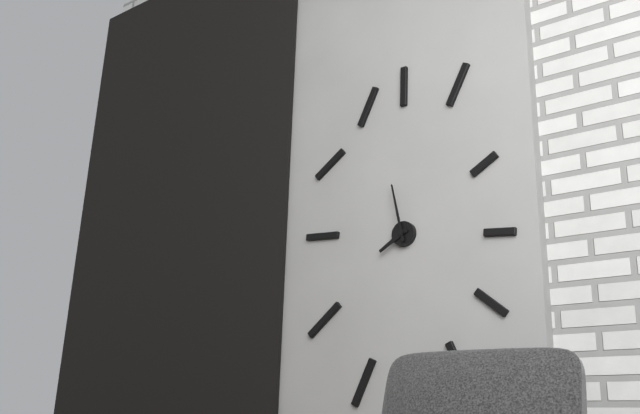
7:58
